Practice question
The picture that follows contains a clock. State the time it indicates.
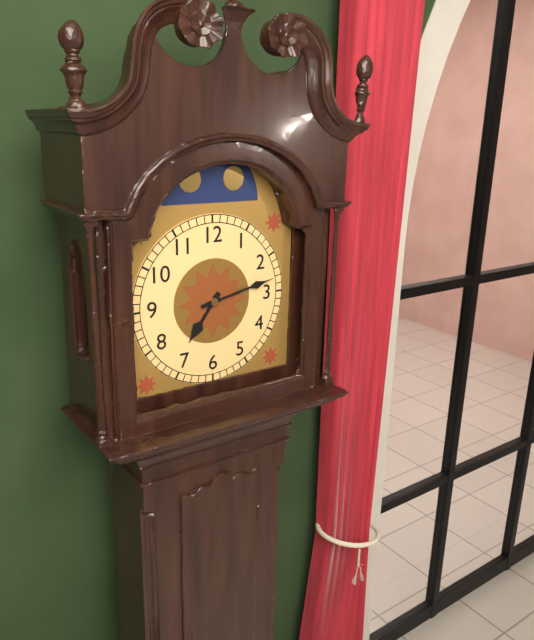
7:13
